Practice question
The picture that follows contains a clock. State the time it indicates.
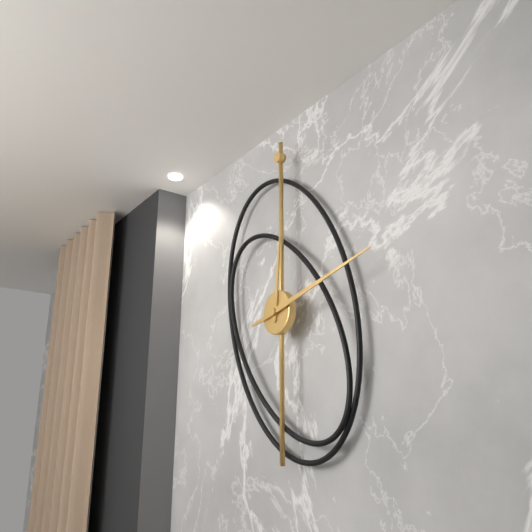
12:13
